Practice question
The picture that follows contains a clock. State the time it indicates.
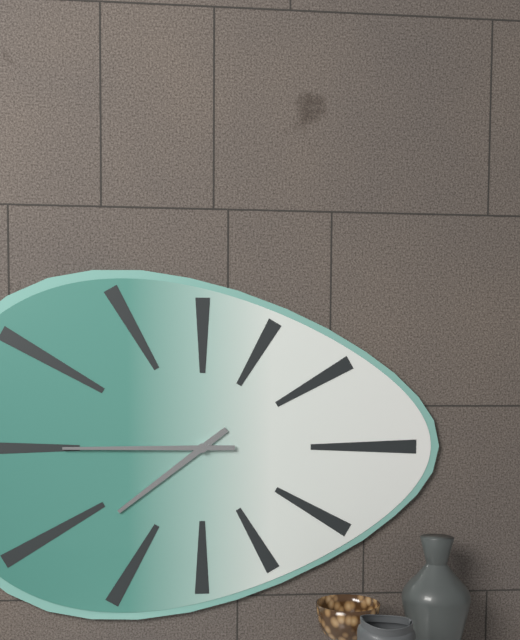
7:45
